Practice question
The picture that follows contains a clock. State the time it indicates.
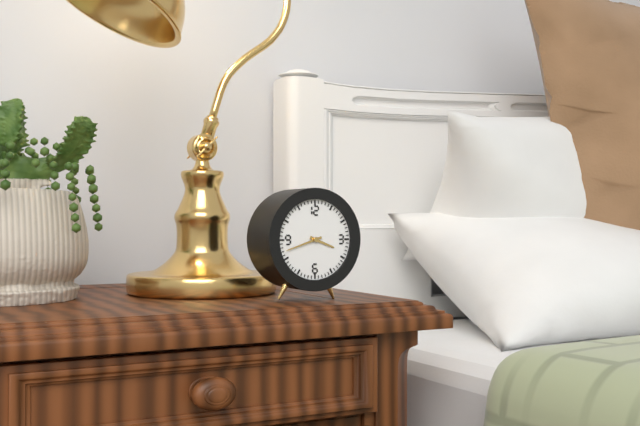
3:42
